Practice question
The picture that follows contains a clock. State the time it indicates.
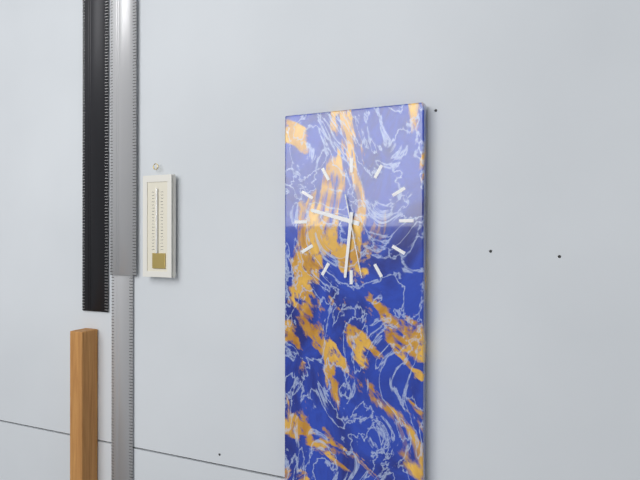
9:31:28
